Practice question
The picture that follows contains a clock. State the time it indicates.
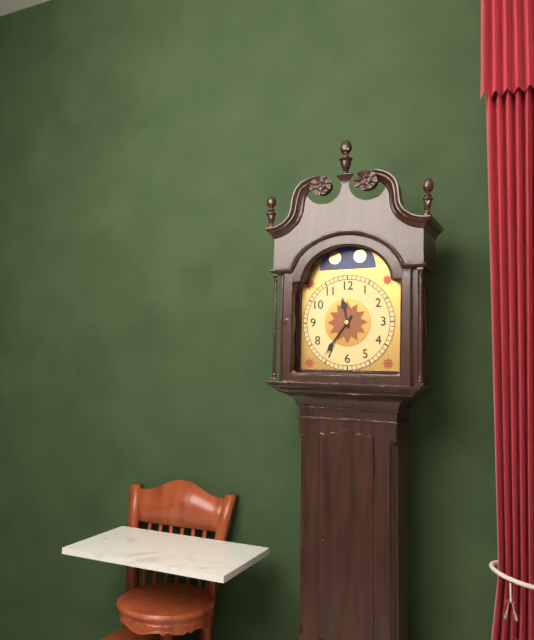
11:36
